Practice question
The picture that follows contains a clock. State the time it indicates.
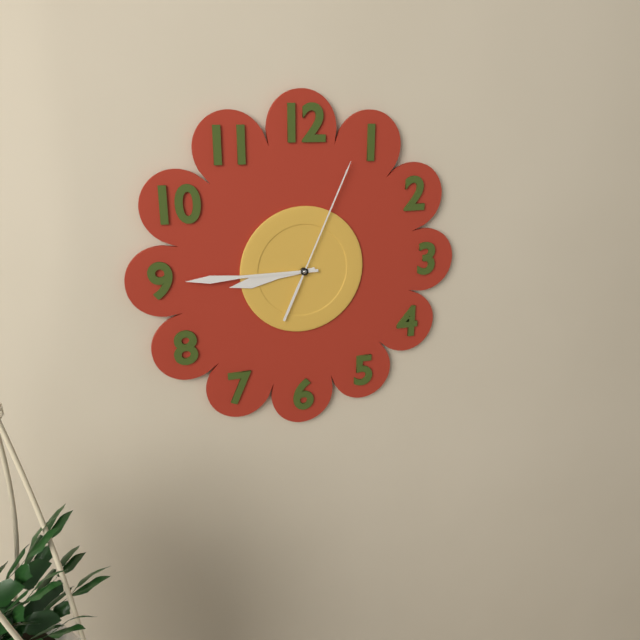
8:45:04
